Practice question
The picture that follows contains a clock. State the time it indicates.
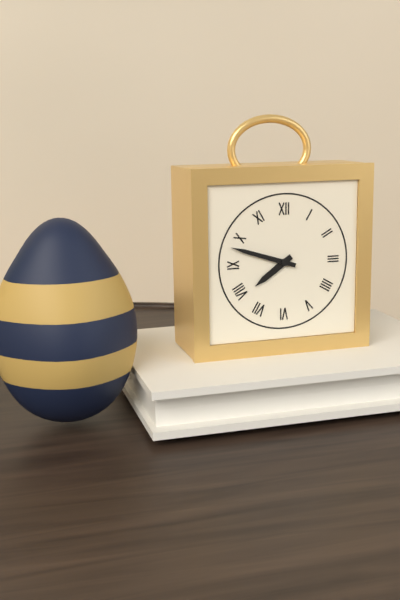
7:48
